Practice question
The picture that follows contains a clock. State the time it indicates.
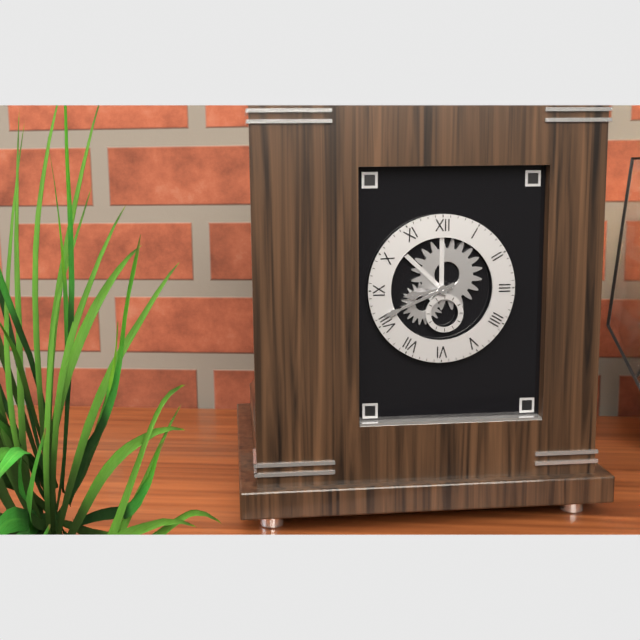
8:41
